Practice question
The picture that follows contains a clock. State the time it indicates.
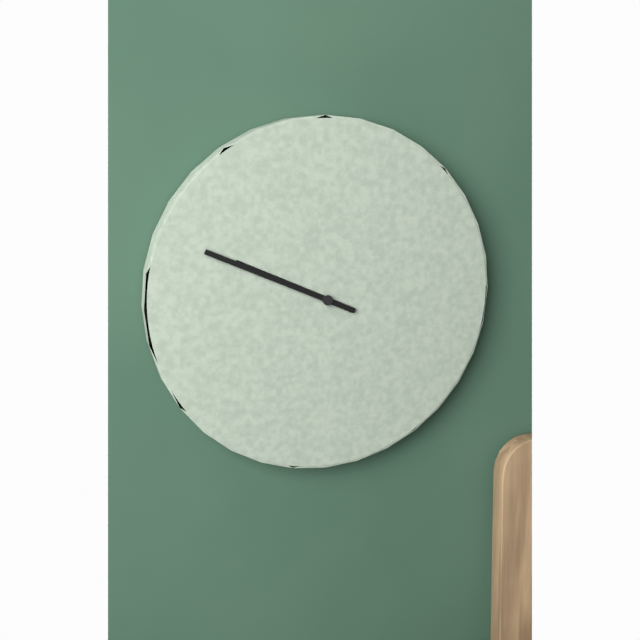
9:49
